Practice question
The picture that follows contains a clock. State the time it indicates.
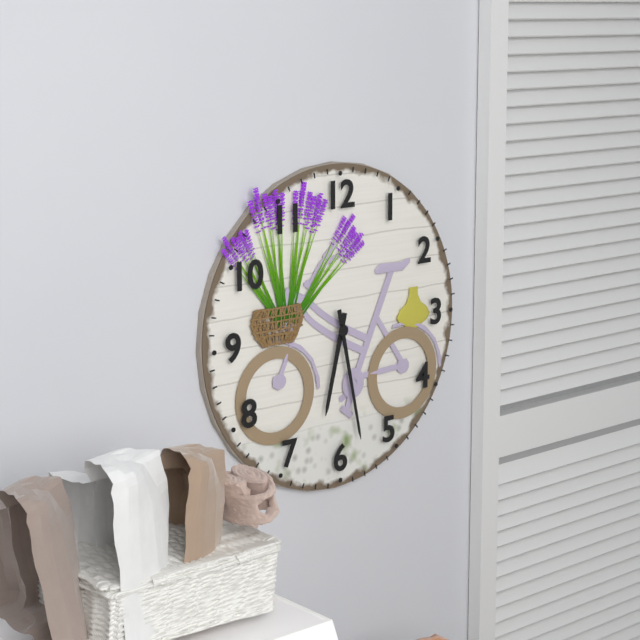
6:28
